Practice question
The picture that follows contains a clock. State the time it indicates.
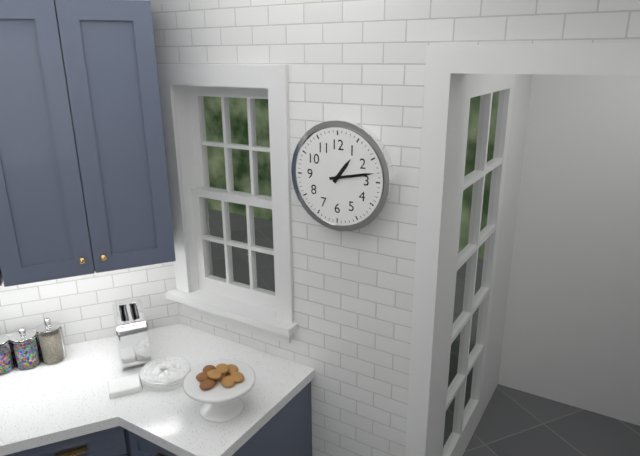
1:13
